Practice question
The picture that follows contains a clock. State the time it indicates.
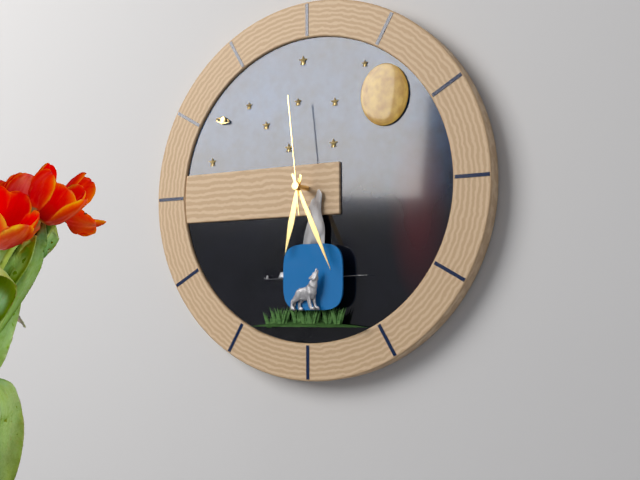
6:26:59
